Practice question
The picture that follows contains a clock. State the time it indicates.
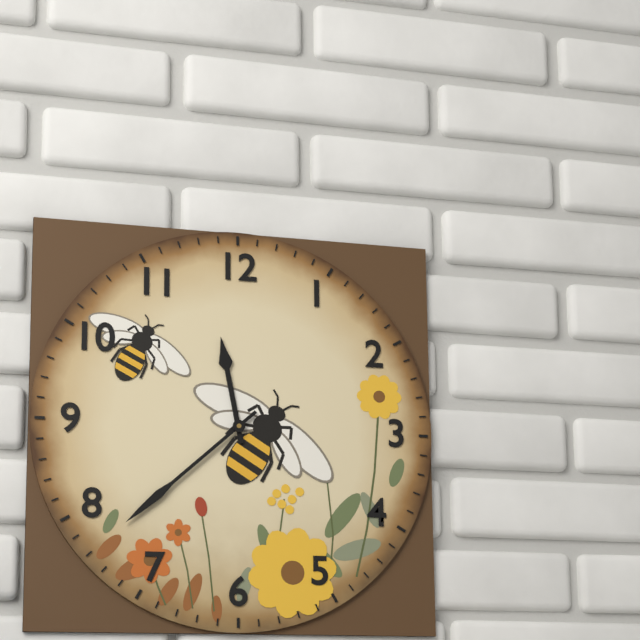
11:38
